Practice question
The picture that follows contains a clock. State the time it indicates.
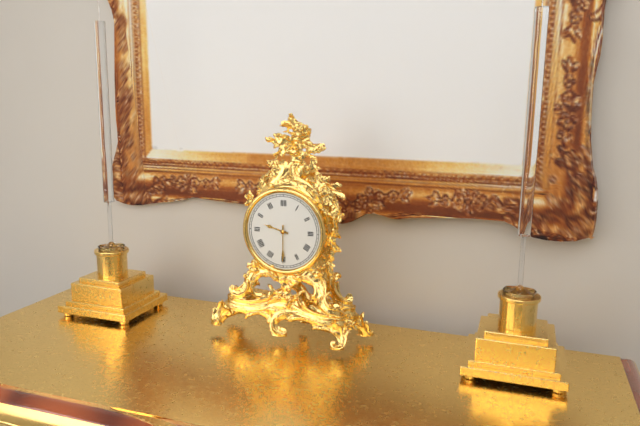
9:30
